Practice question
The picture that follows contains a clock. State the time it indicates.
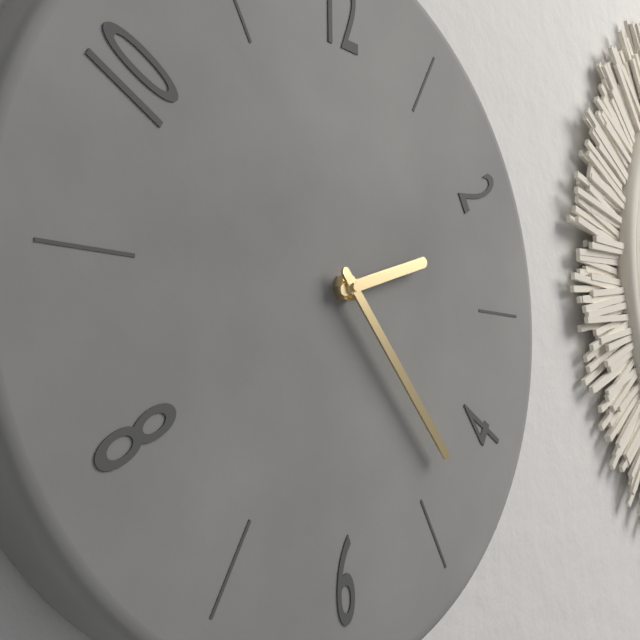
2:23
